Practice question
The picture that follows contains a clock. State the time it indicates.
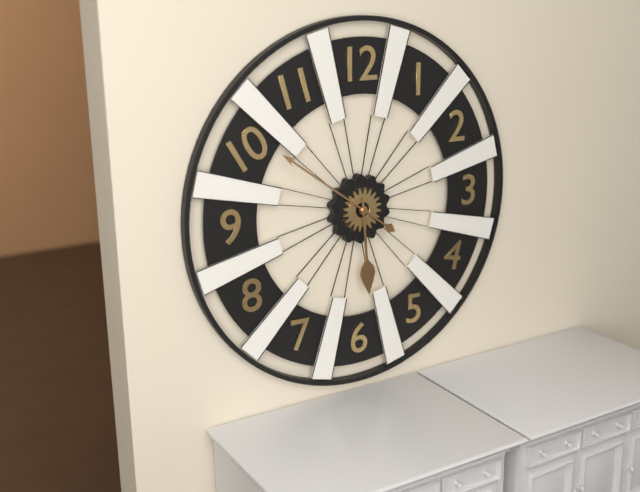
5:51
